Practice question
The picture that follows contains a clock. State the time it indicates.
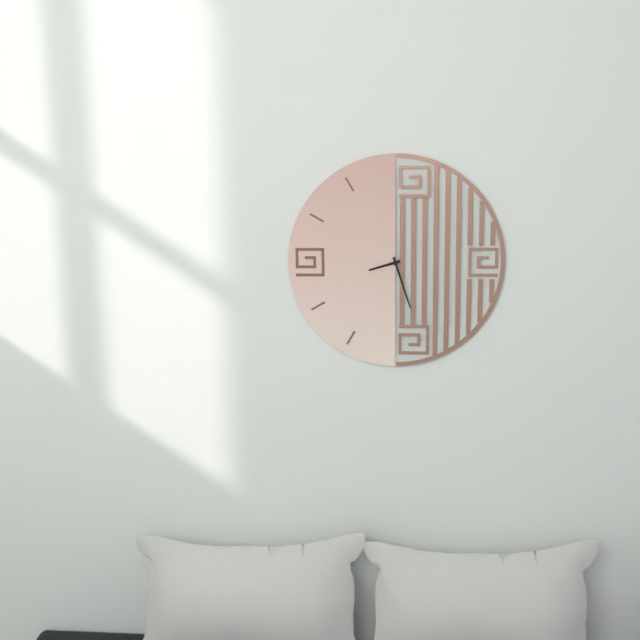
8:27
